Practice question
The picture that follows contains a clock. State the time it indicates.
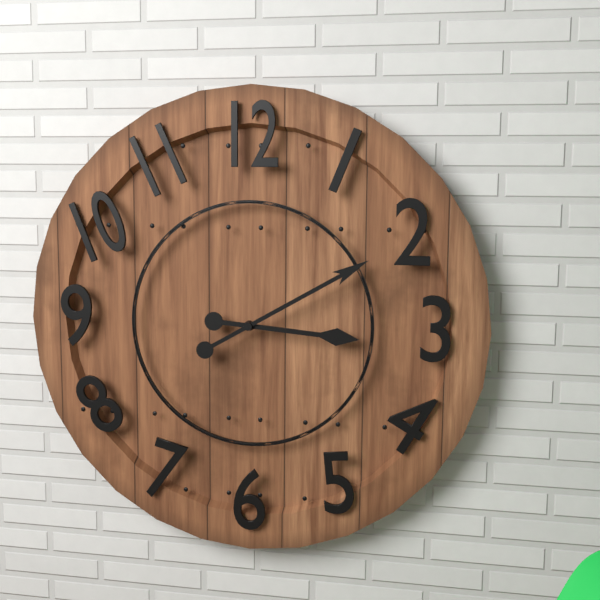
3:10
